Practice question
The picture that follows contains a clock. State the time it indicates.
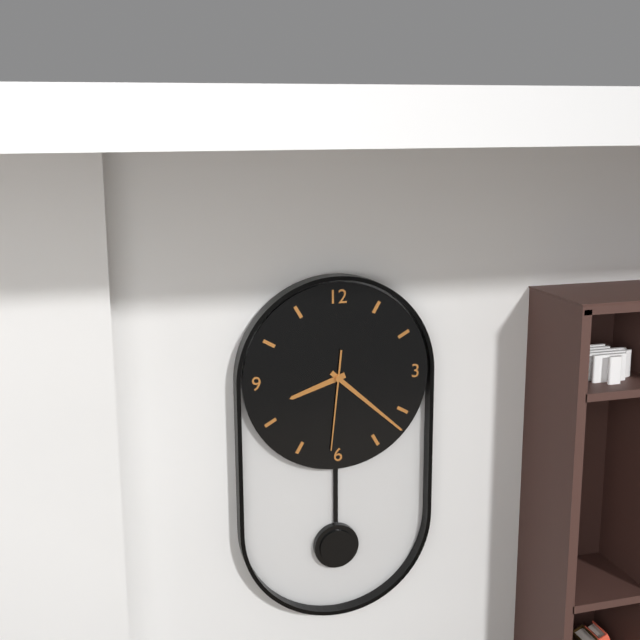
8:22:31
